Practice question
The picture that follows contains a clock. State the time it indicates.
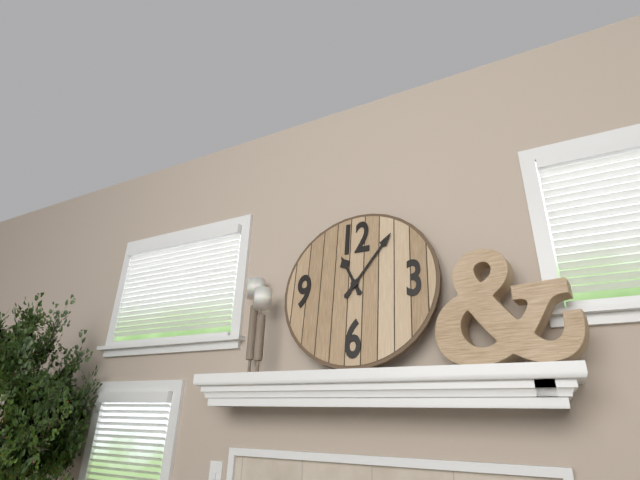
11:06
